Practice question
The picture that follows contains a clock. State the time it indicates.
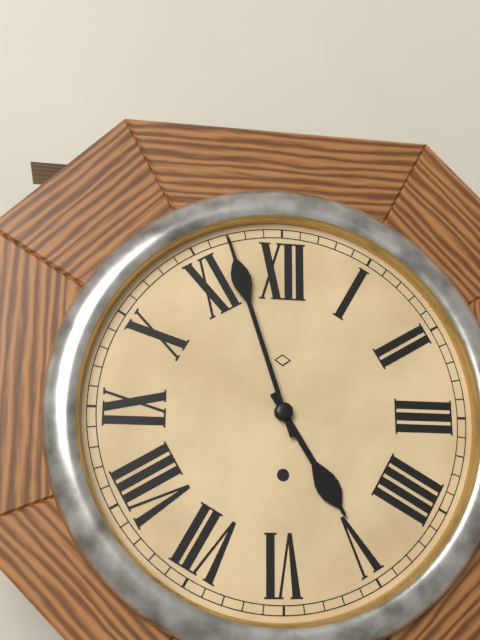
4:57
